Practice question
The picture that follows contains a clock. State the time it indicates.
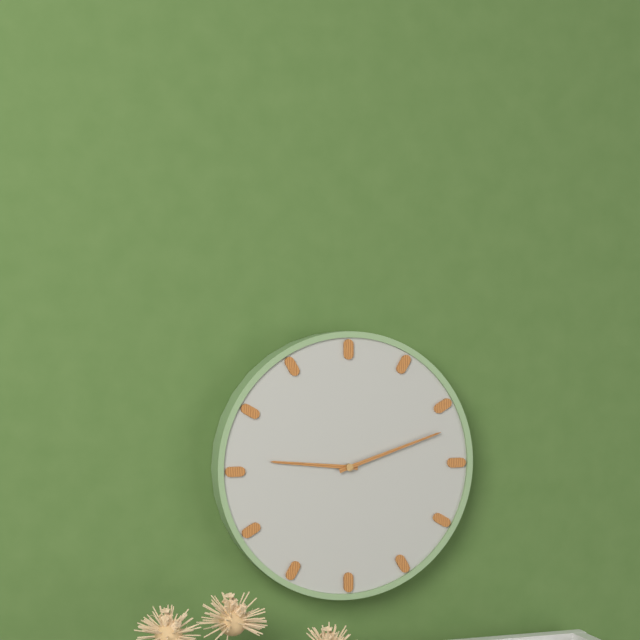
9:12
